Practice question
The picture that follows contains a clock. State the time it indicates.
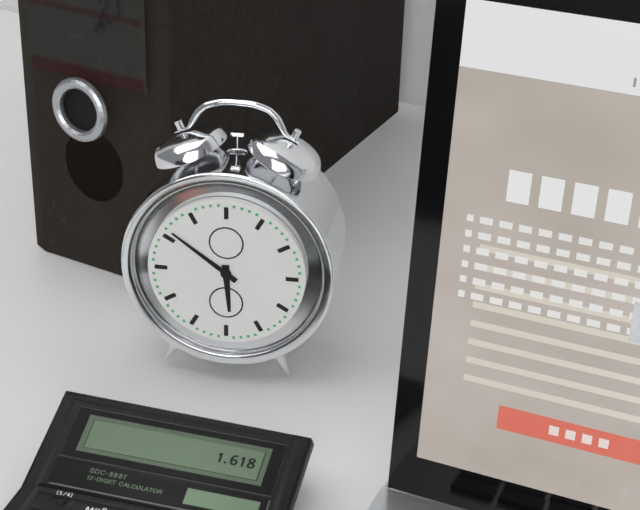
5:51
